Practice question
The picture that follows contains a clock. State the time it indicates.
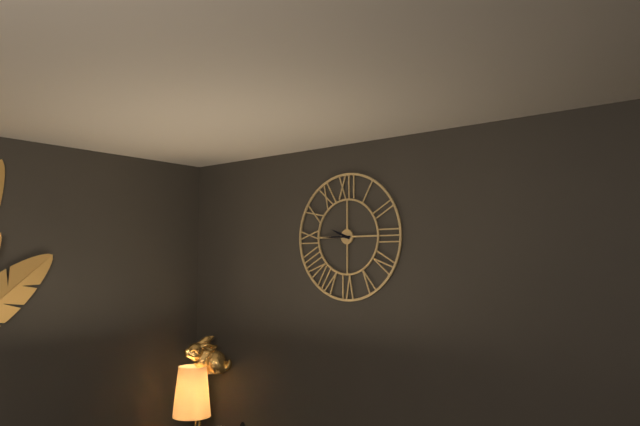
9:45
